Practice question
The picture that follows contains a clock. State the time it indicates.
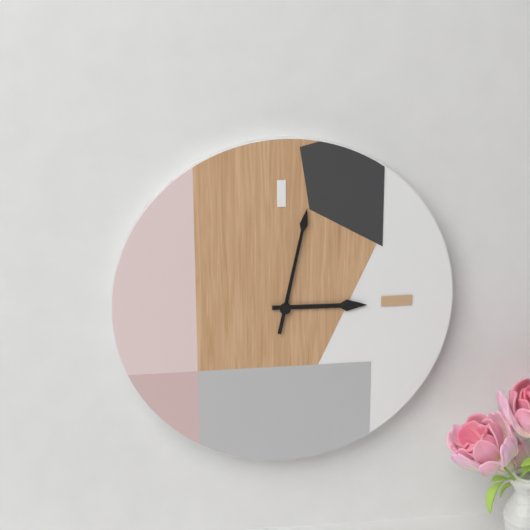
3:02
